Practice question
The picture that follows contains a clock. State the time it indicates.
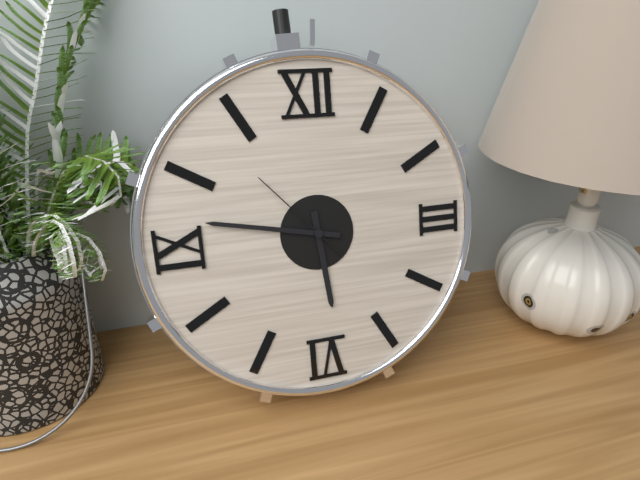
5:47:53
